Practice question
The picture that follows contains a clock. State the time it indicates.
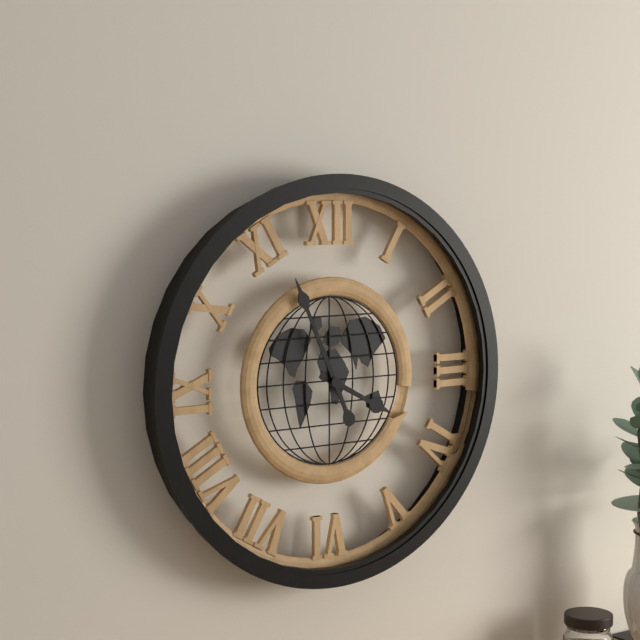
3:56
